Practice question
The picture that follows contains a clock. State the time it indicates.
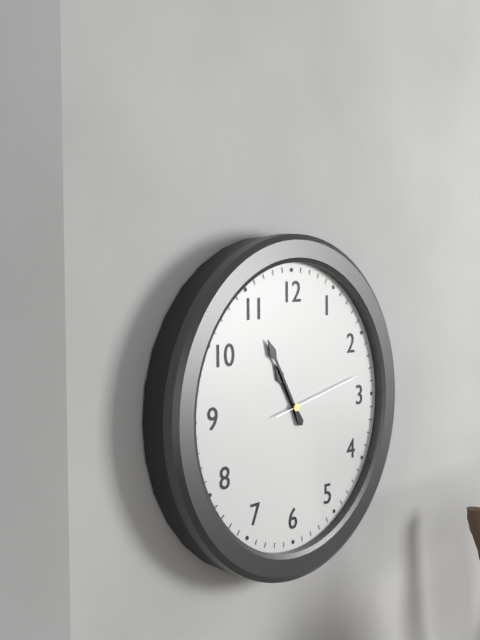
10:55:13
